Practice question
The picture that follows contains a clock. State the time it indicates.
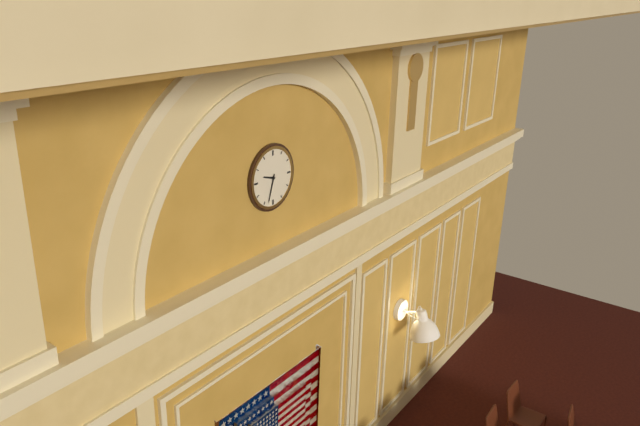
9:33
